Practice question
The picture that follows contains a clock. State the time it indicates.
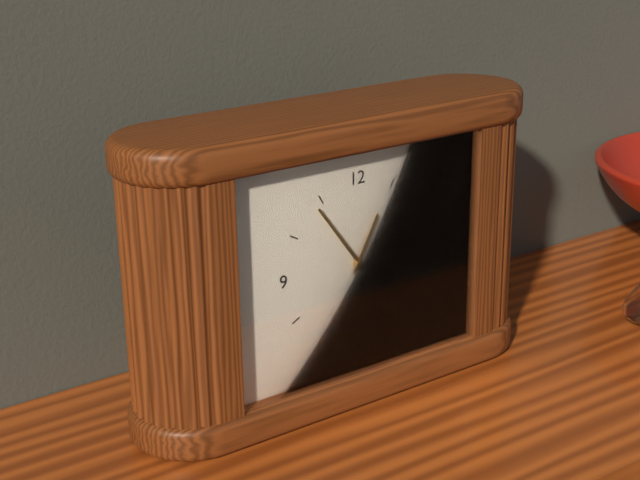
12:54
